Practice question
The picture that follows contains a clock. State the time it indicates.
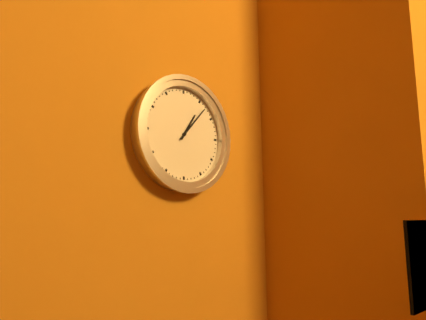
1:07
